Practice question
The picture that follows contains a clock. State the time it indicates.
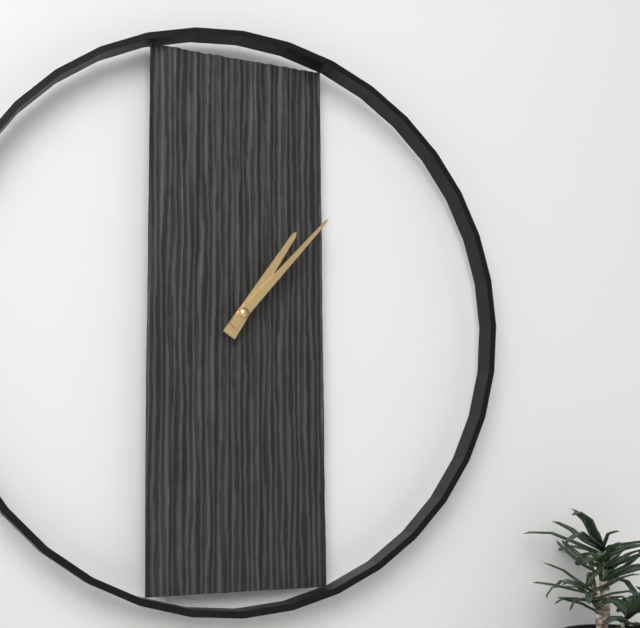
1:07
